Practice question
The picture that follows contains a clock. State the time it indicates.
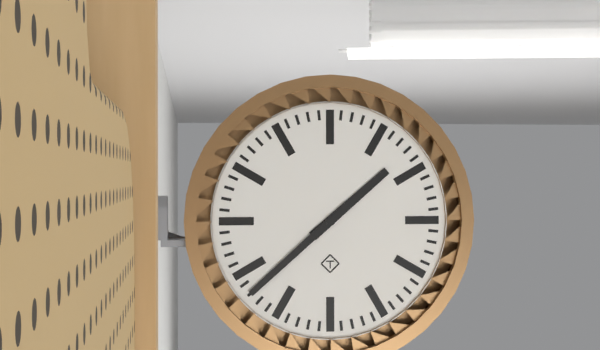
1:38
